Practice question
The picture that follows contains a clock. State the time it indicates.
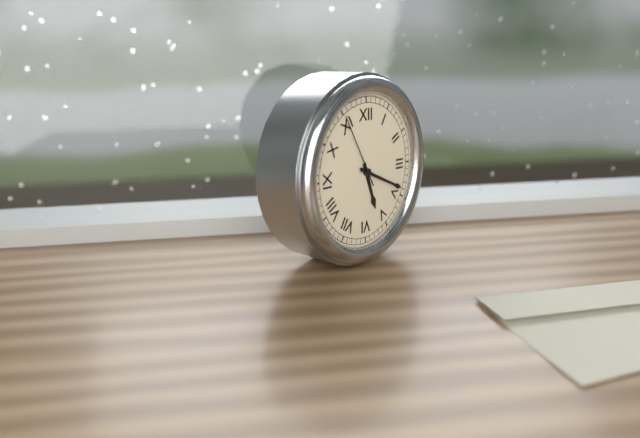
5:19:55
